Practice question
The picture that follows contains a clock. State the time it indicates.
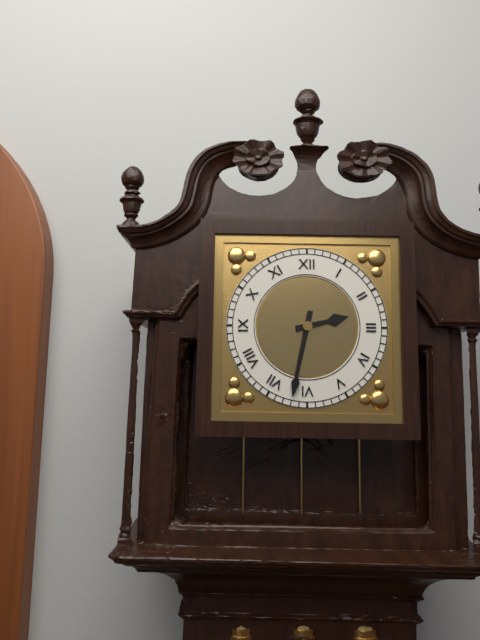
2:32
